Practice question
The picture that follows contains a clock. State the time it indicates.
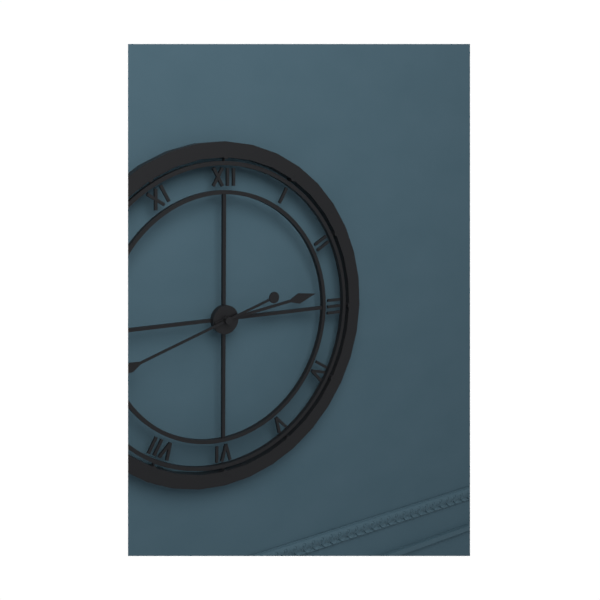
2:42
